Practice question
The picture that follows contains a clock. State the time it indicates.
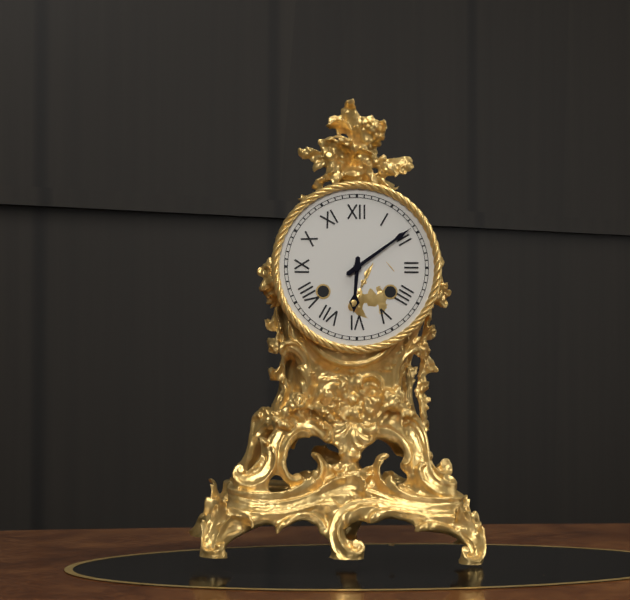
6:09
